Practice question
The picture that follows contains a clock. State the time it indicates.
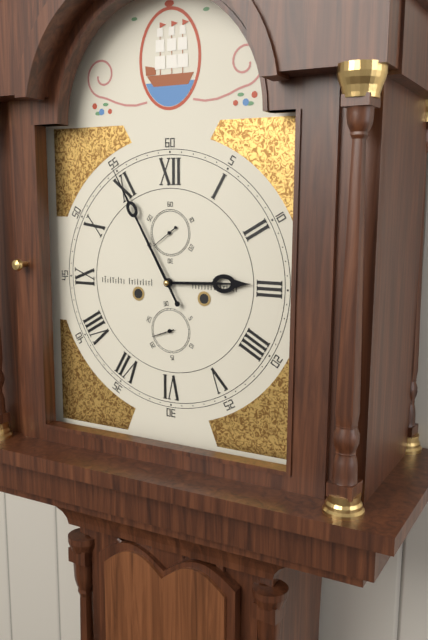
2:55
